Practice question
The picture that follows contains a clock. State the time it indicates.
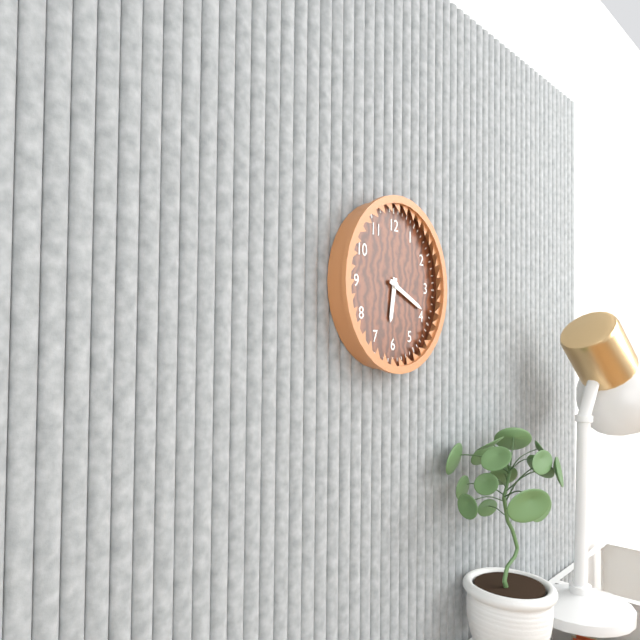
6:19
